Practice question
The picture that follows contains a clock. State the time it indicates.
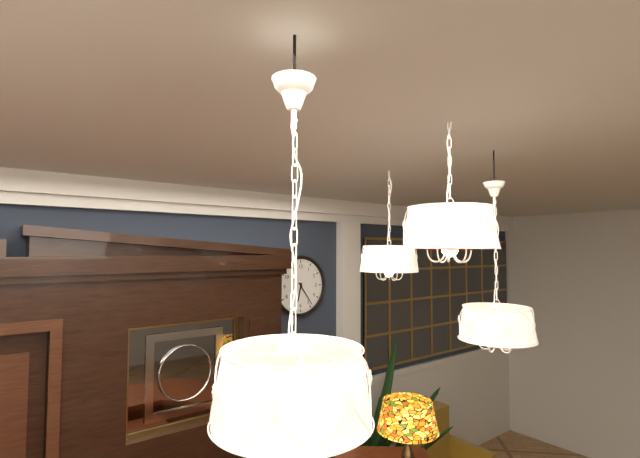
6:24
